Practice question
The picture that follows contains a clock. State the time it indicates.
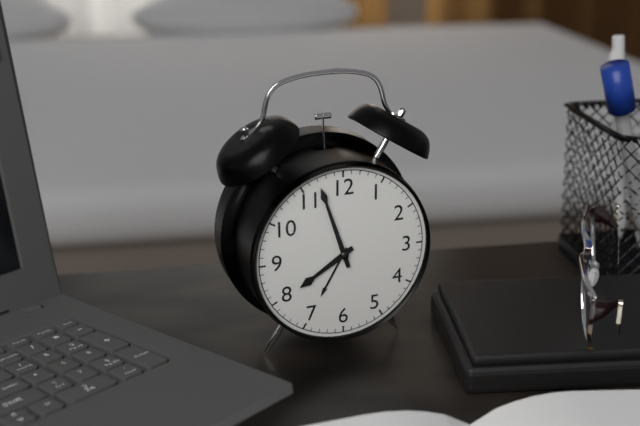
7:57
